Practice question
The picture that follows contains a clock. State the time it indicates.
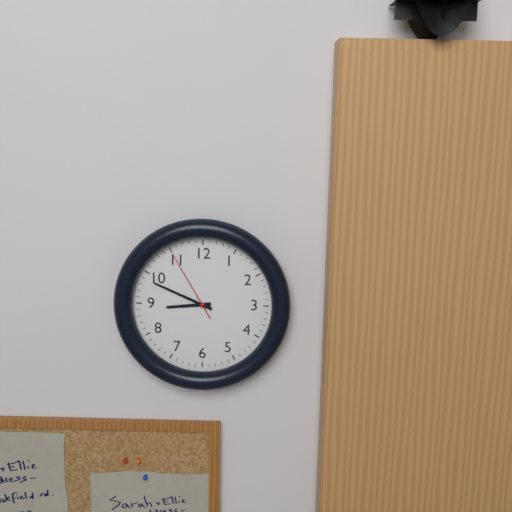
8:49:55
